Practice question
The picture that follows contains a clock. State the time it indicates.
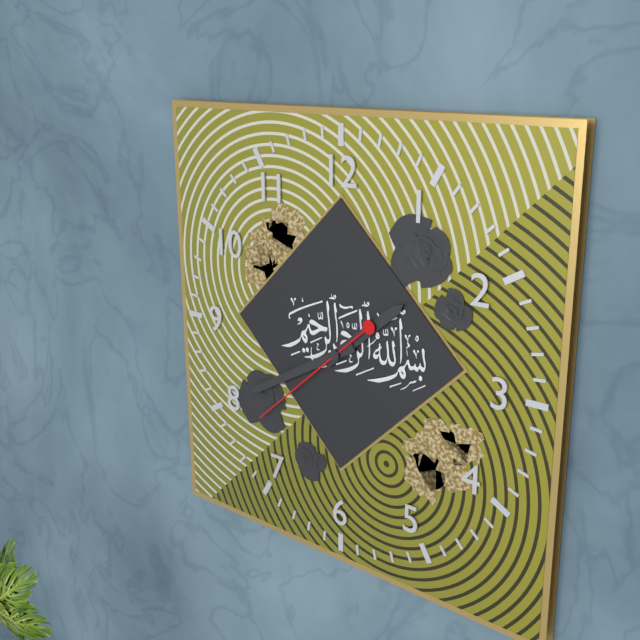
1:40:38
